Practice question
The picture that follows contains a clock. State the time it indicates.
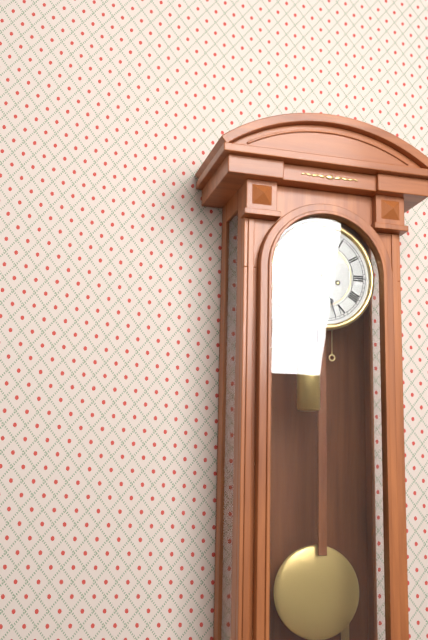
6:27
